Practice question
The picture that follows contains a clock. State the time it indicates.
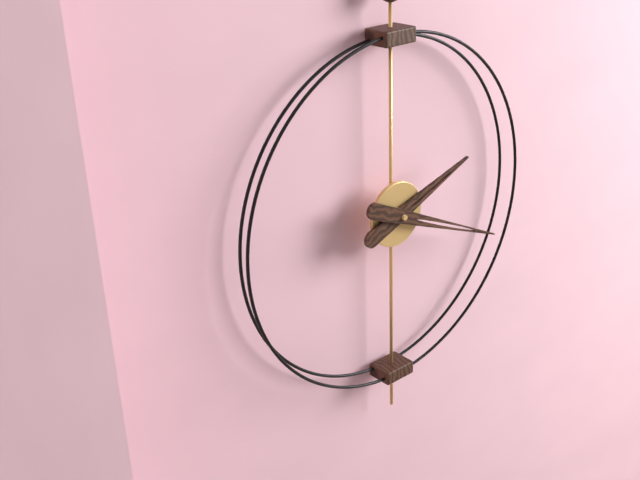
2:19
